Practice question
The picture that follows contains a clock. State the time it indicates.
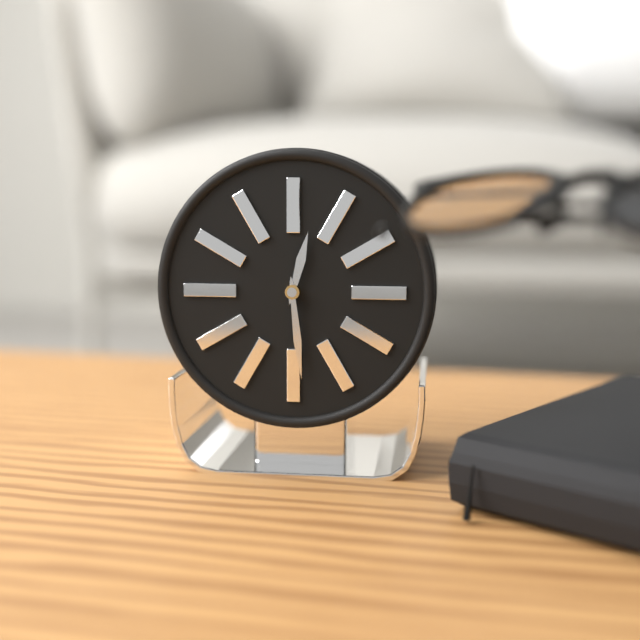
12:29
